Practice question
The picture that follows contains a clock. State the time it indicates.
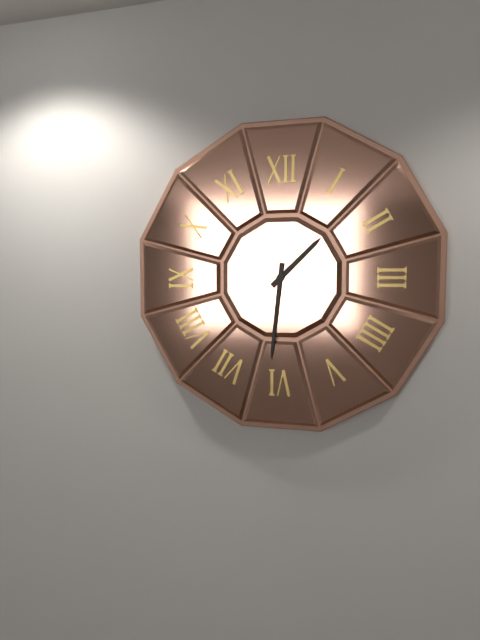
1:31
